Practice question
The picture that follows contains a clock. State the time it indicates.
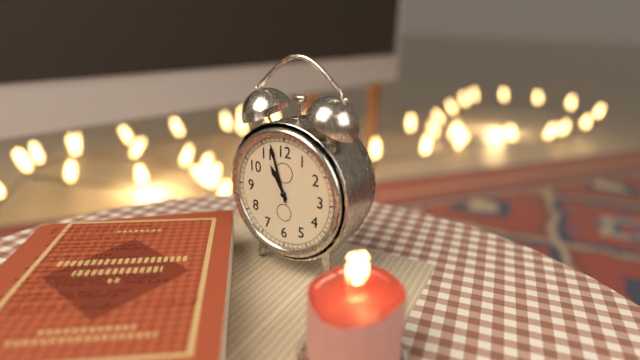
10:57
